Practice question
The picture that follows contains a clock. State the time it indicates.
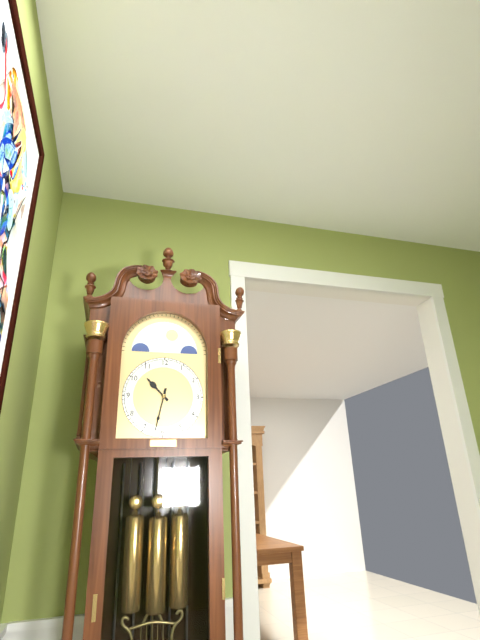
10:32
